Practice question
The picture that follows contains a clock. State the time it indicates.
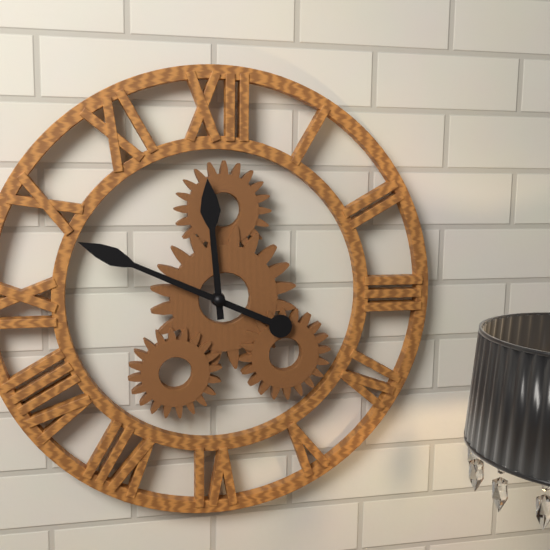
11:49
